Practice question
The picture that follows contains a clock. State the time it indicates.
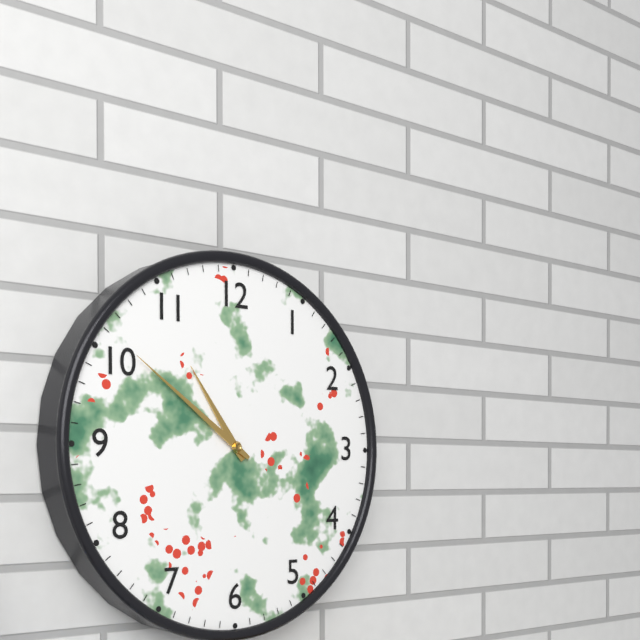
10:51
